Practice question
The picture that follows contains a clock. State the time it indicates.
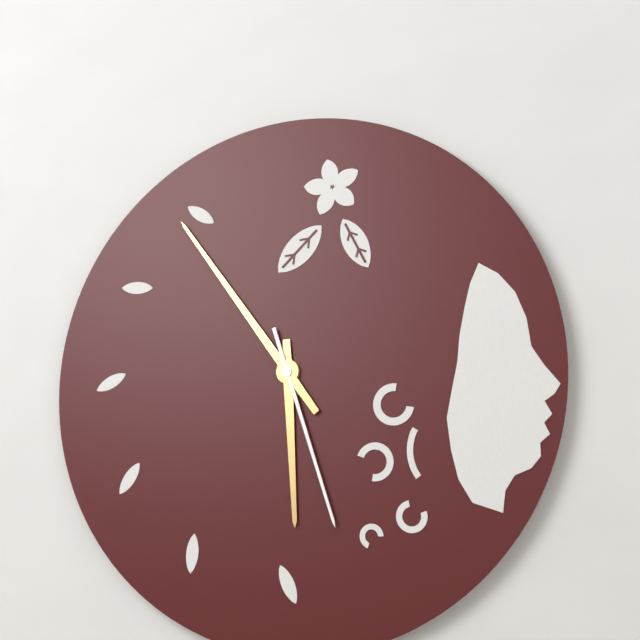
5:54:27
